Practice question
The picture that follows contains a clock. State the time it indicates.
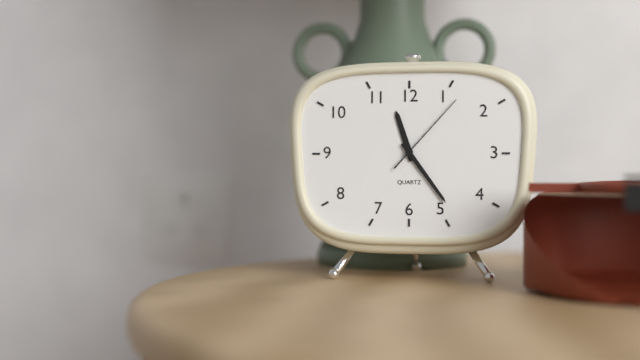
11:24:07
